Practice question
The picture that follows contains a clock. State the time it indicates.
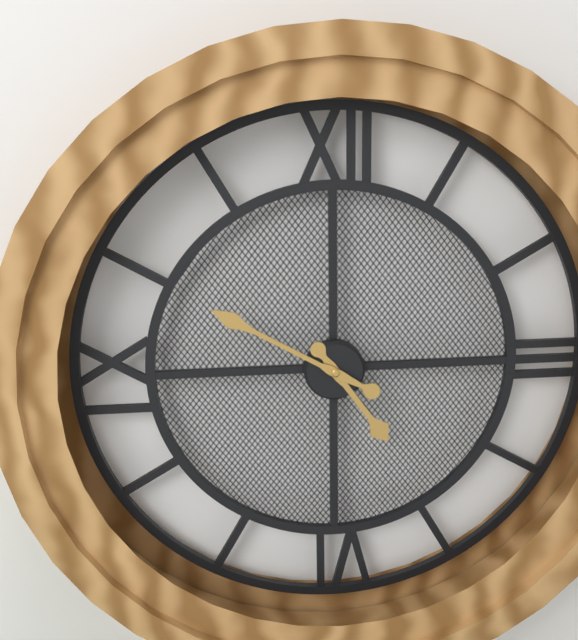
4:50
